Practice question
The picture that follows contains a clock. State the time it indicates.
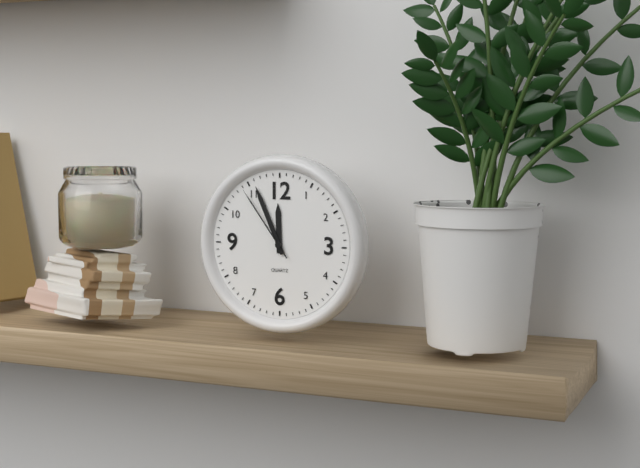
11:56:54
